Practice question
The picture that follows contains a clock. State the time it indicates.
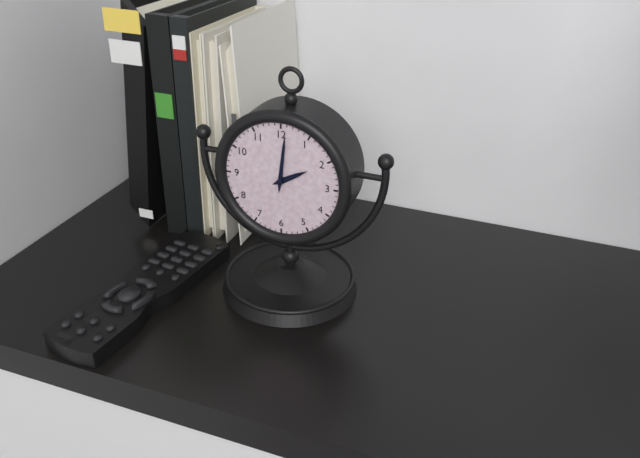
2:01
